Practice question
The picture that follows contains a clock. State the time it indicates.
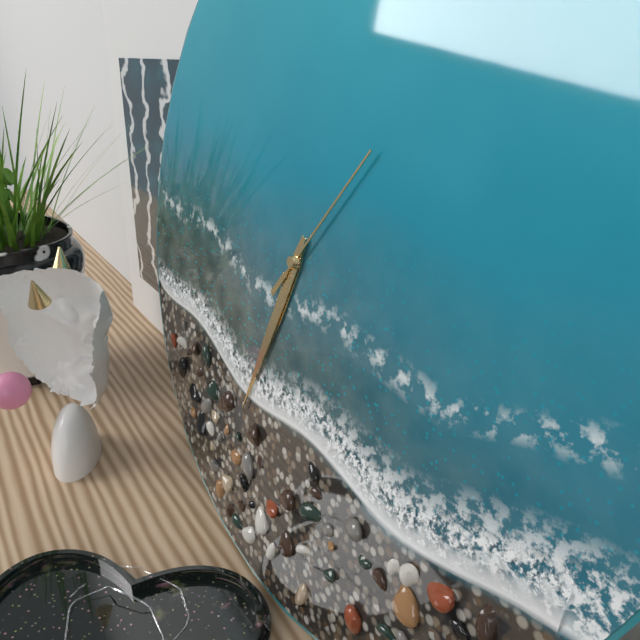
6:33:06
